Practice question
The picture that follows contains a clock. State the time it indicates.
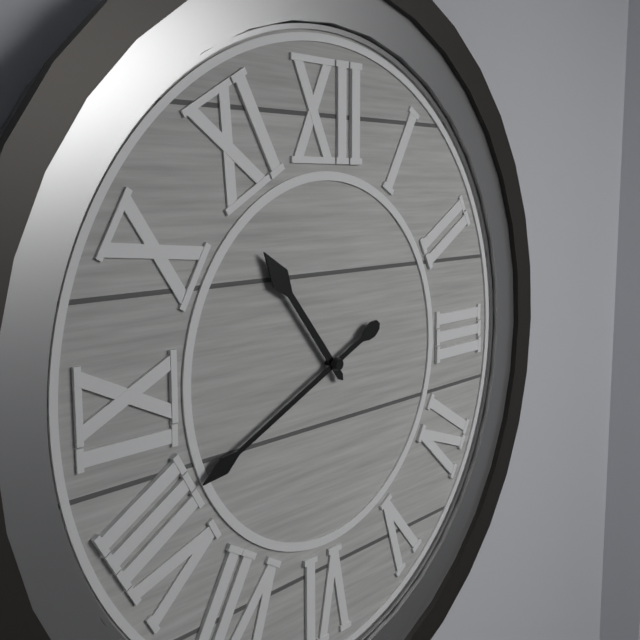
10:41
